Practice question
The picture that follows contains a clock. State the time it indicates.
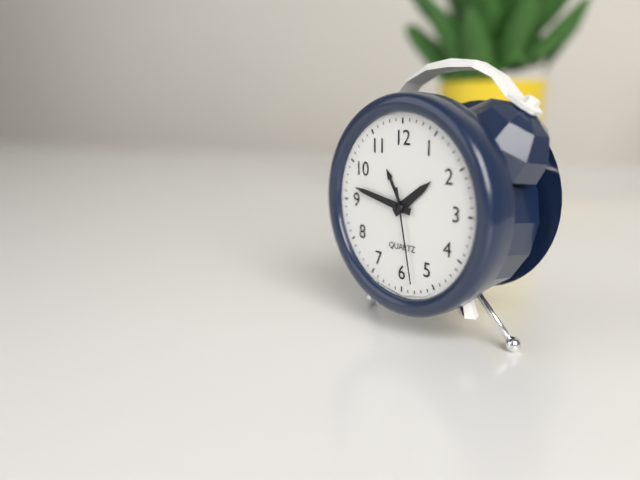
1:47:28
